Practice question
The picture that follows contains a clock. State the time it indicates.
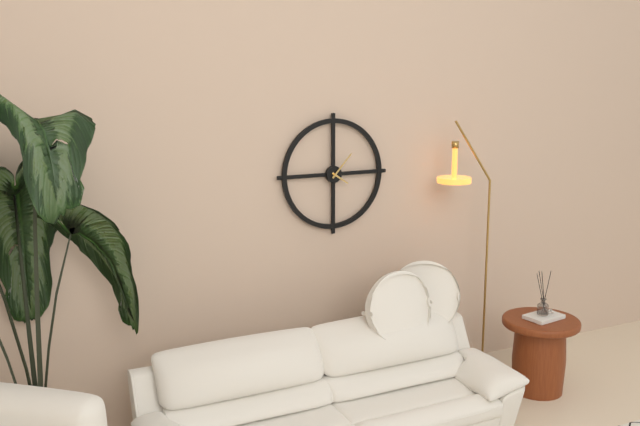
4:07
